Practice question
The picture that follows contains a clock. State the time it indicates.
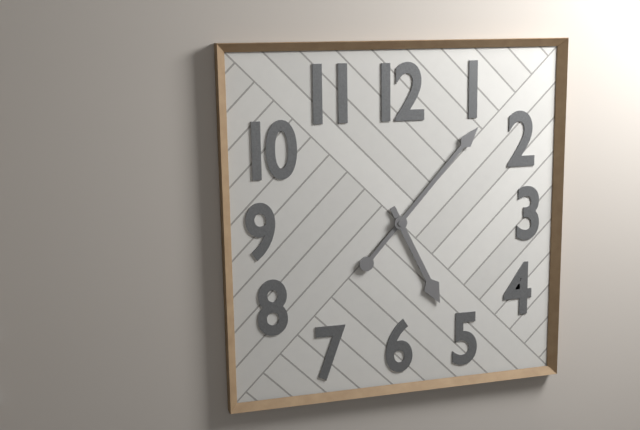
5:07
